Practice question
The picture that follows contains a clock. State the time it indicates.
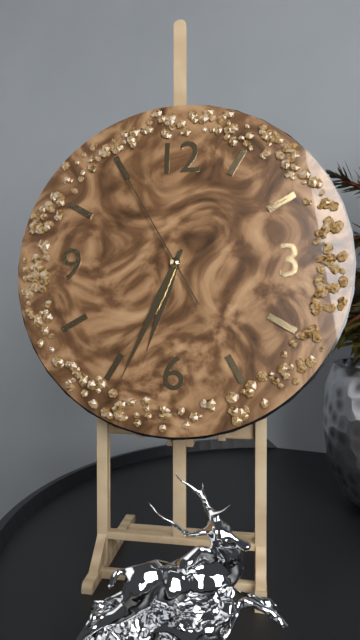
6:34:55
